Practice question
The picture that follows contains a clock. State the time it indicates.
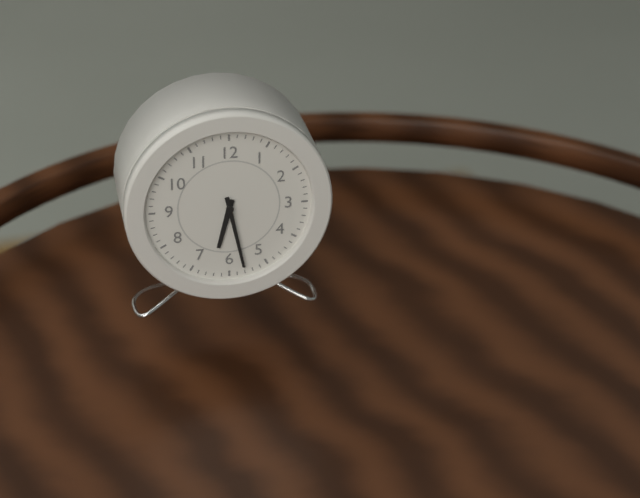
6:28
